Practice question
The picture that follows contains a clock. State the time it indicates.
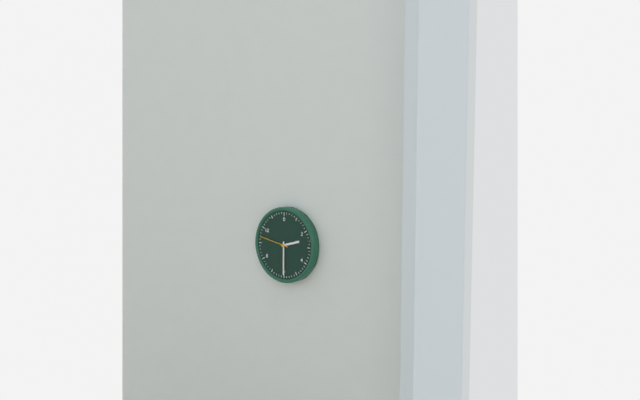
2:30
